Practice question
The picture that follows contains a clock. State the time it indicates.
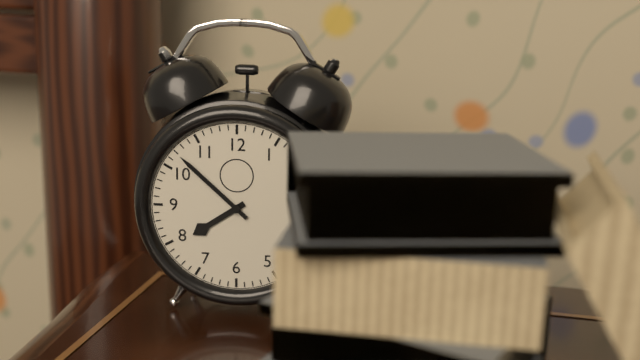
7:52
